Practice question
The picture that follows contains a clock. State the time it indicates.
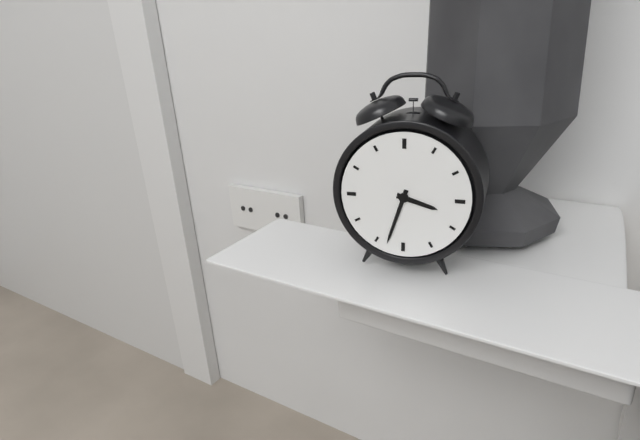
3:33
